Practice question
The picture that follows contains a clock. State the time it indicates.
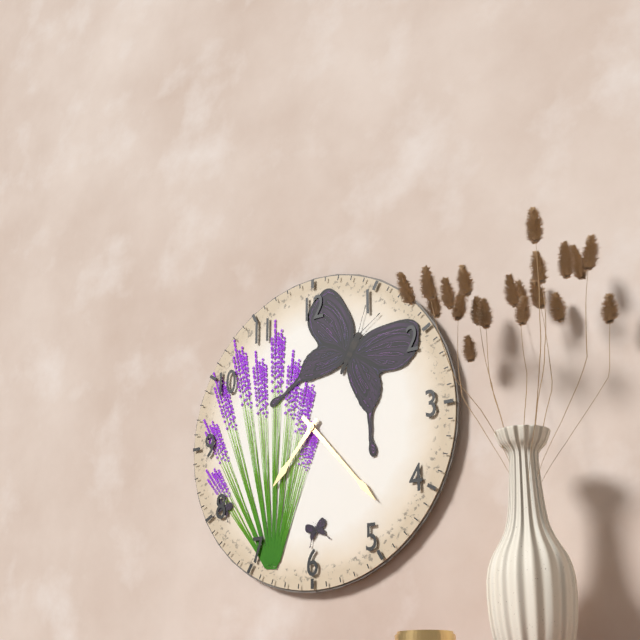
7:23
